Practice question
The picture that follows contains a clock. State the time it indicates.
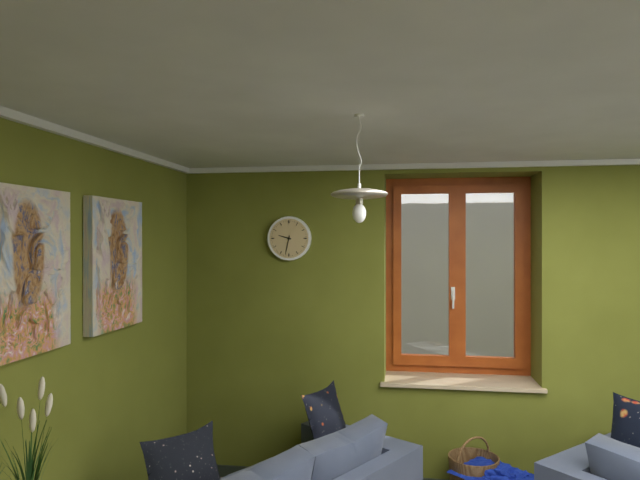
9:32
